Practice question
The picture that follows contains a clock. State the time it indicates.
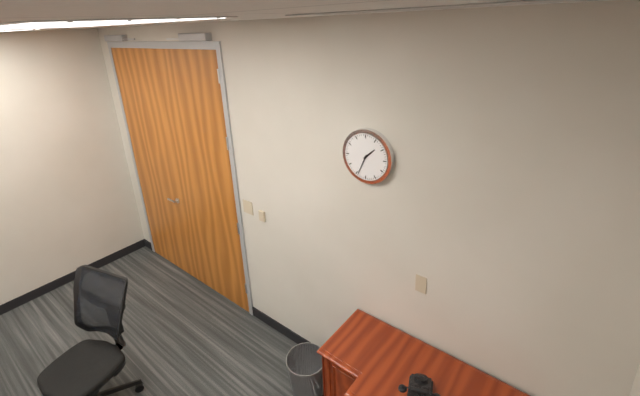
1:34
